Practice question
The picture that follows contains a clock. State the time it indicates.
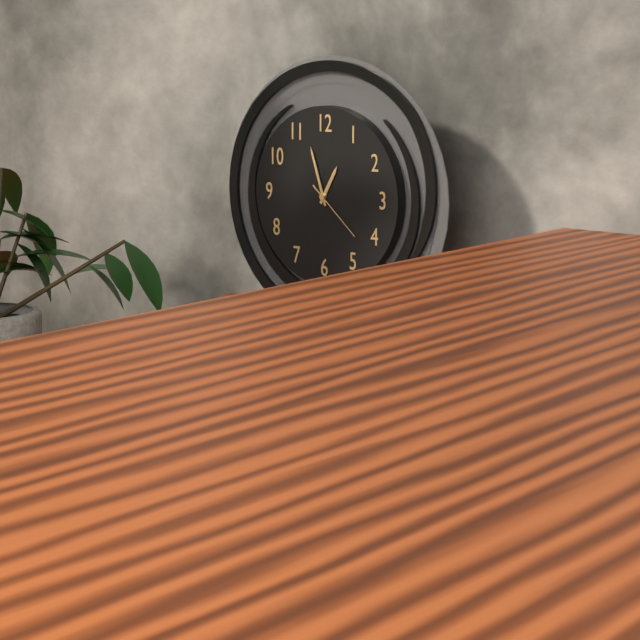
12:57:22
